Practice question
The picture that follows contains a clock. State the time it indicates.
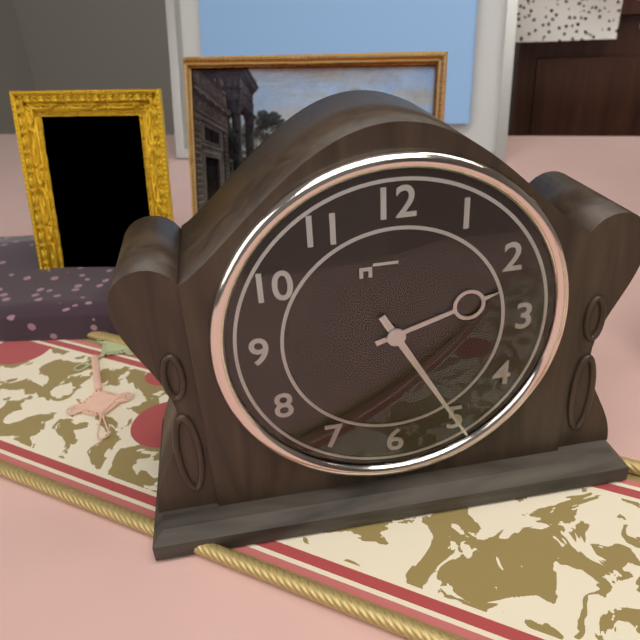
2:25
